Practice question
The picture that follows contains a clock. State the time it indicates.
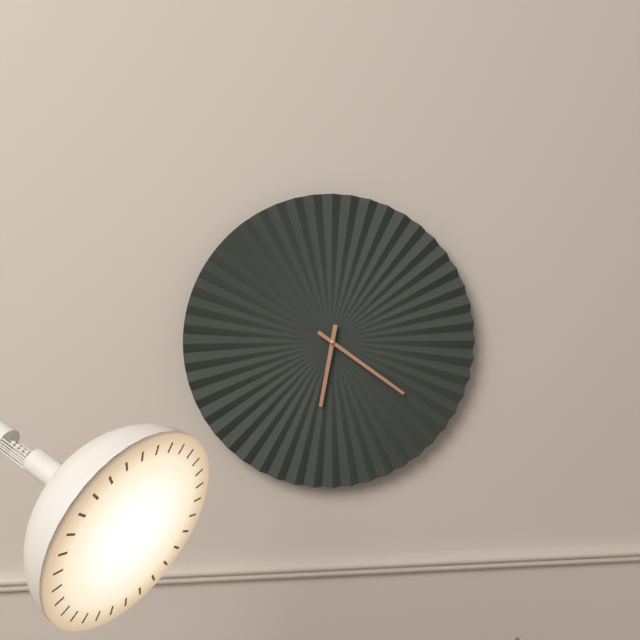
6:21
